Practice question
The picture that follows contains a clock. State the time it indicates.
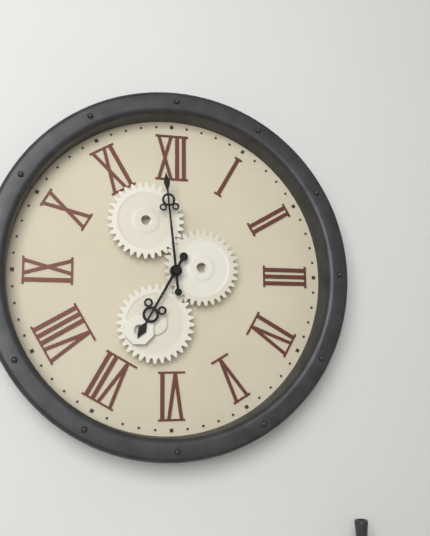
6:59
